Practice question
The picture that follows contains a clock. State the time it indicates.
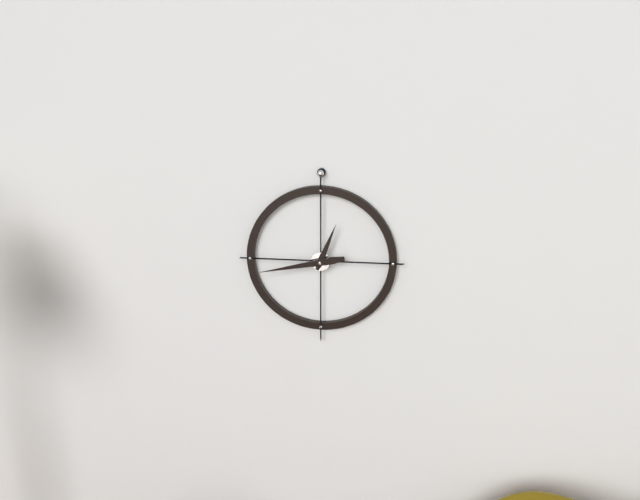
12:43
